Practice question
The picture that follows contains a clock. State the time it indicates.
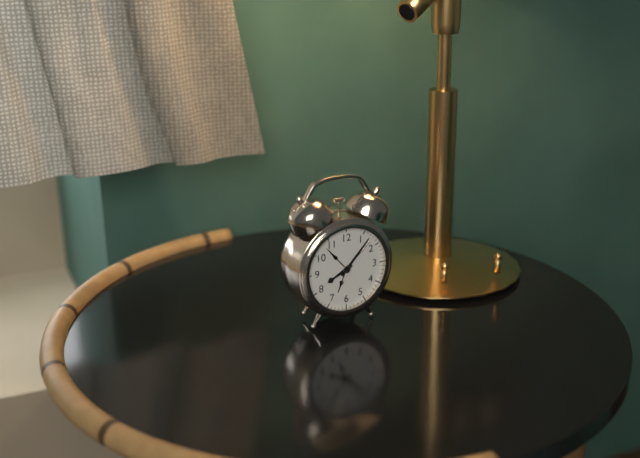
8:07
